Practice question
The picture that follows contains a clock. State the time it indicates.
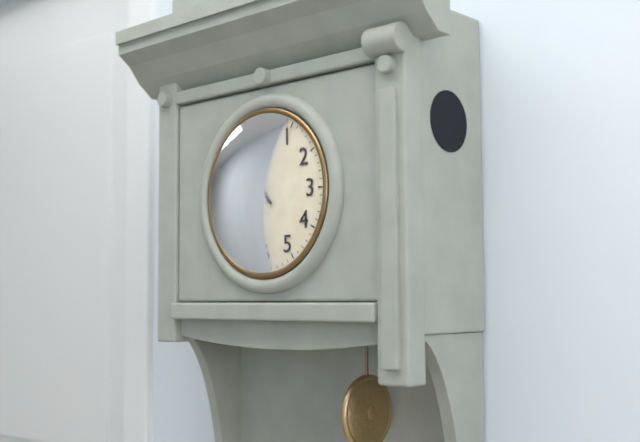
10:53
